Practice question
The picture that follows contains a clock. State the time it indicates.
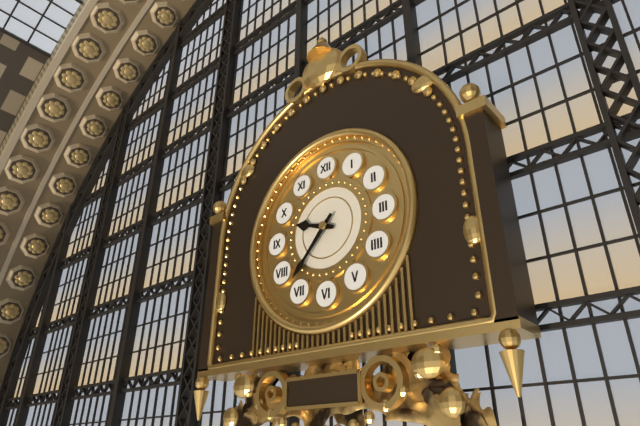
9:37
